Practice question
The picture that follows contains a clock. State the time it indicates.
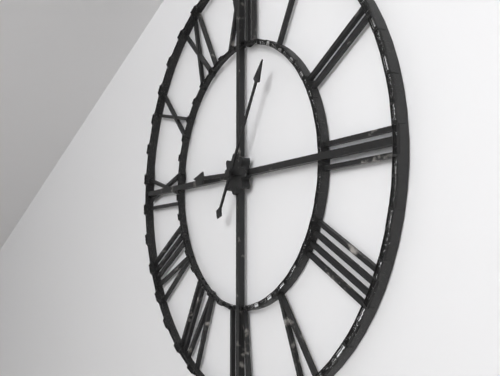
9:05
